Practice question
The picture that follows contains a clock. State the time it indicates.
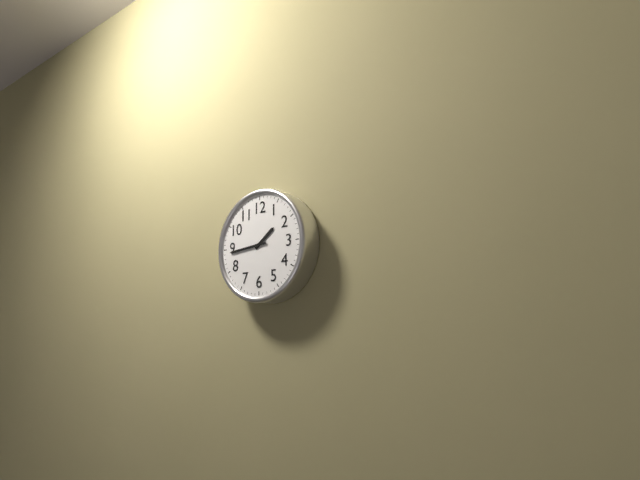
1:44
